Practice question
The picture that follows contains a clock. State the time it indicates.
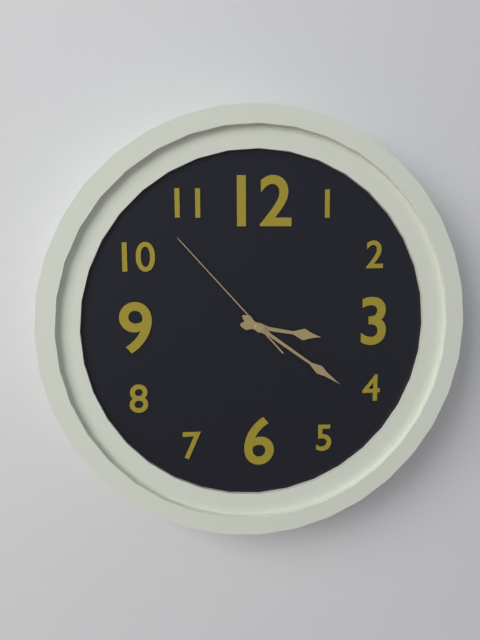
3:21:53
